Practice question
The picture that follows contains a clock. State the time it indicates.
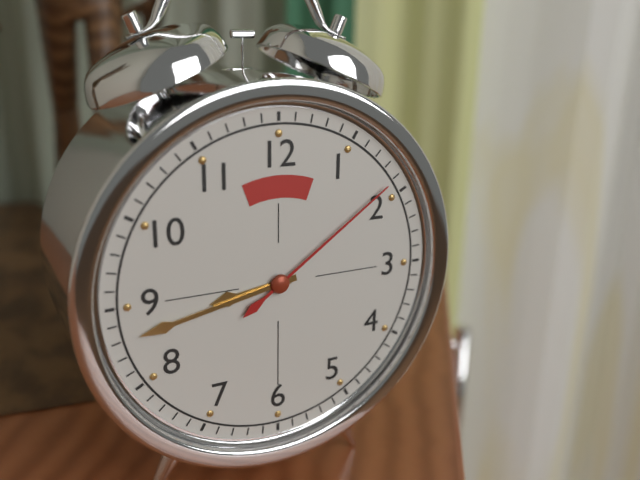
8:43:09
